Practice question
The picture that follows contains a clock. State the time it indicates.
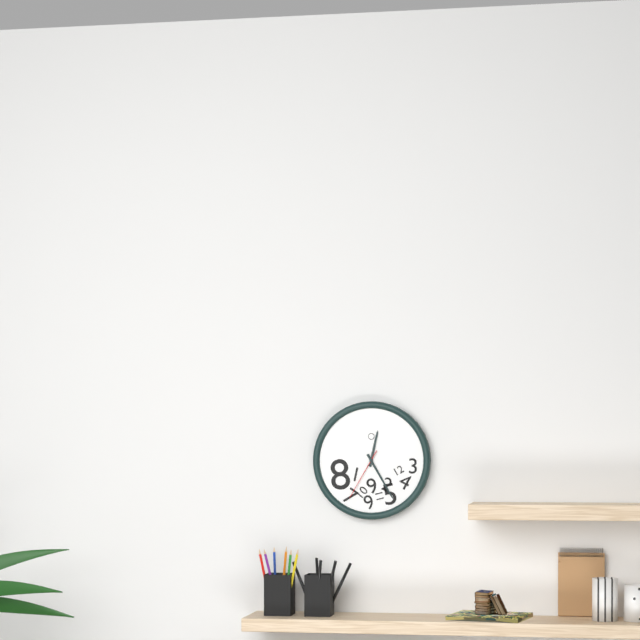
12:25:35
